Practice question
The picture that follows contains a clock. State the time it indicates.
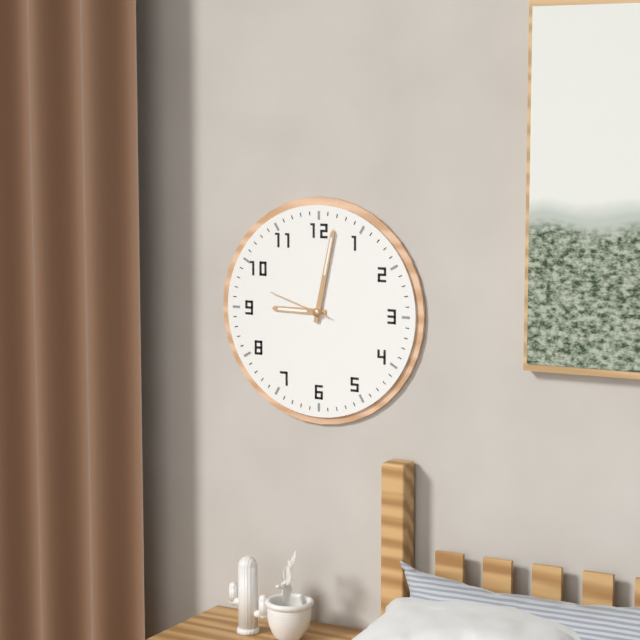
9:02:48
